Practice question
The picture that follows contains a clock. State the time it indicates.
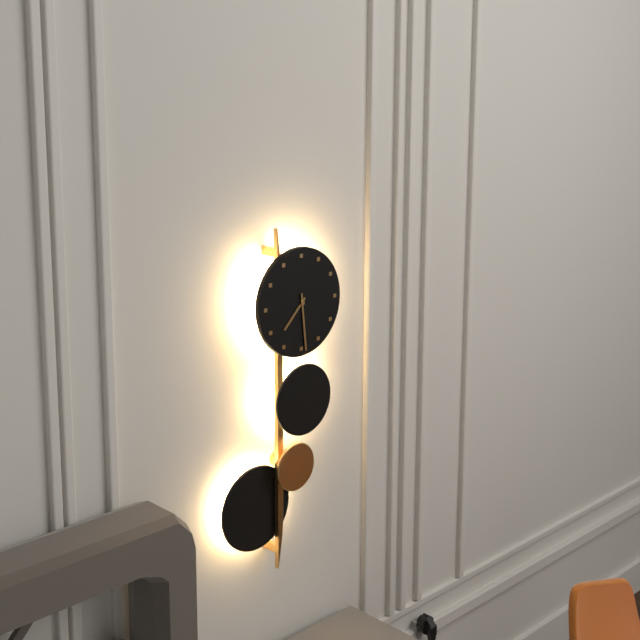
7:29
